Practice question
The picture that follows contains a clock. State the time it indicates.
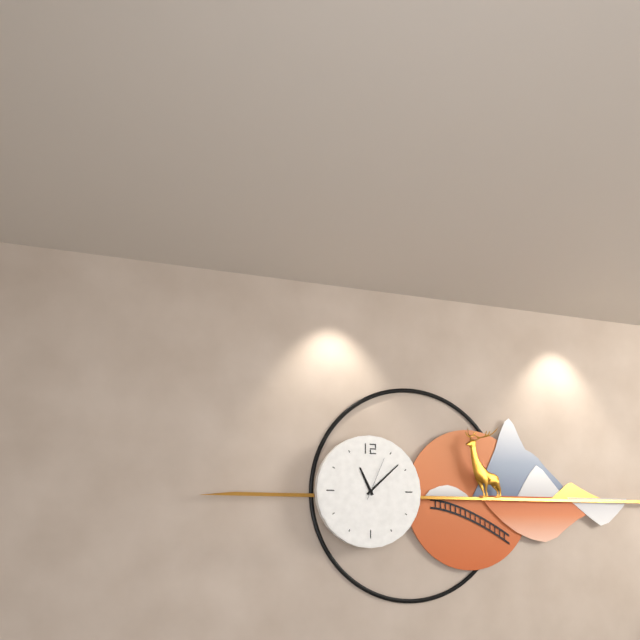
11:08
